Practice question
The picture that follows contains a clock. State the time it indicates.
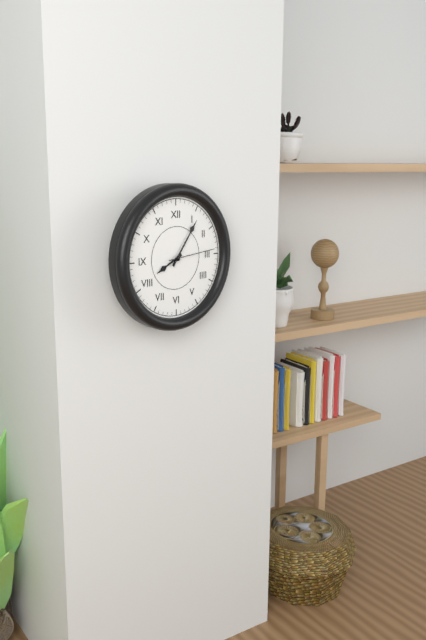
8:06
